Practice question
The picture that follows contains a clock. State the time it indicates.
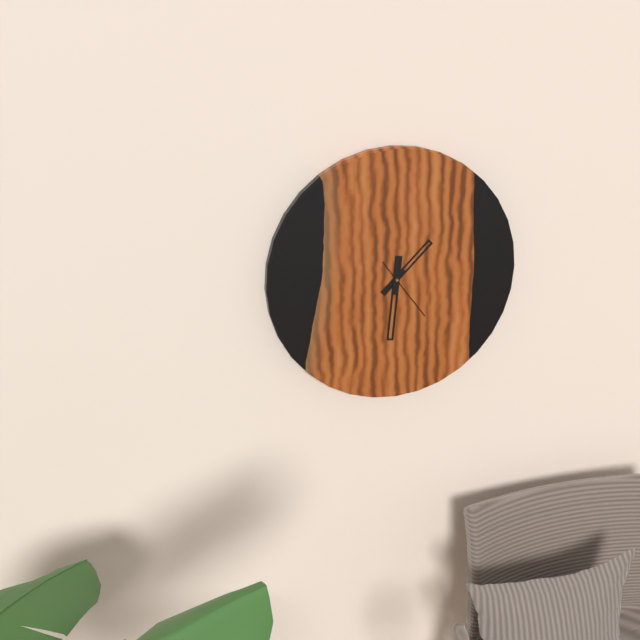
1:31:24
